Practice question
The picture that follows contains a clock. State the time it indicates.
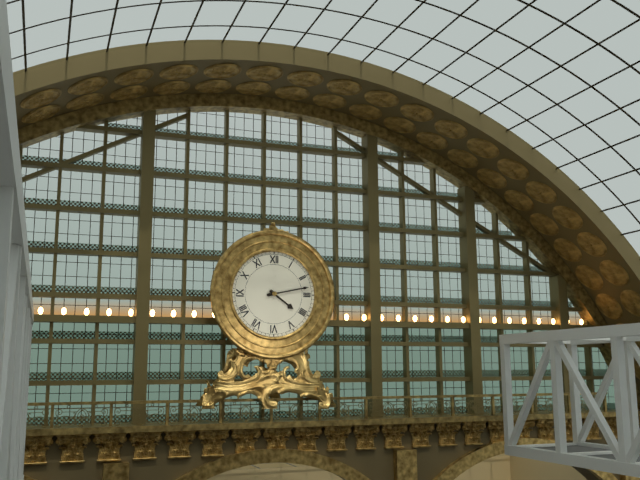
4:13
